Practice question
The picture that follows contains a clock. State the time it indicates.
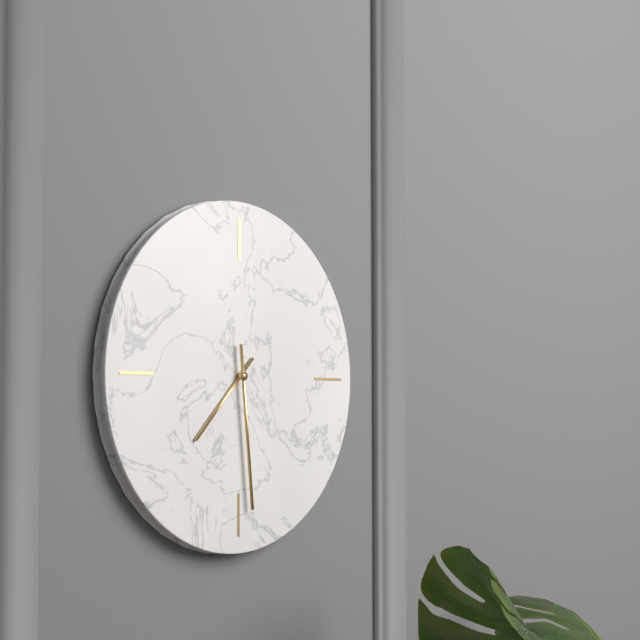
7:29
